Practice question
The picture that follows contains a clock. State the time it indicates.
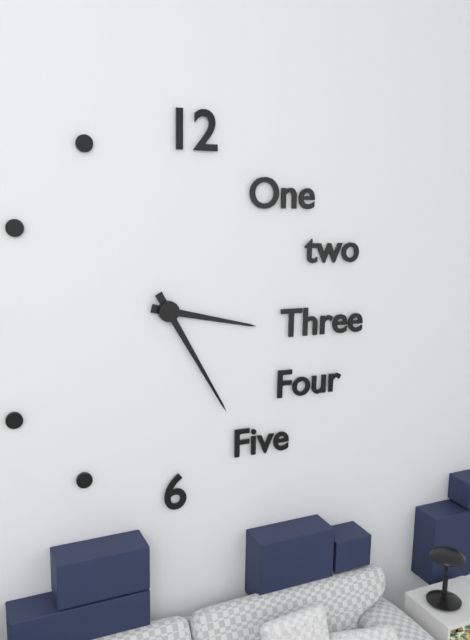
3:25
